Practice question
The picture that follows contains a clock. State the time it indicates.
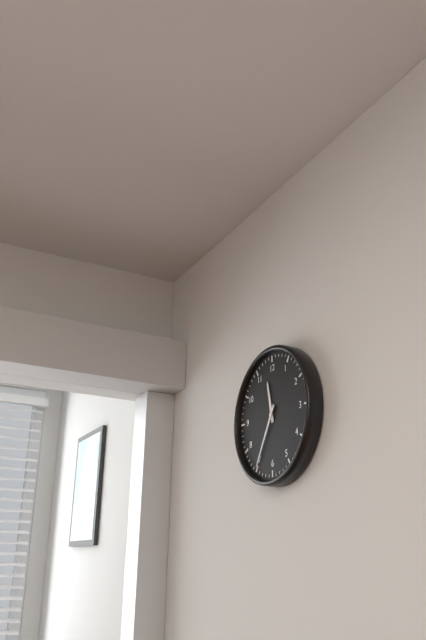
11:35
